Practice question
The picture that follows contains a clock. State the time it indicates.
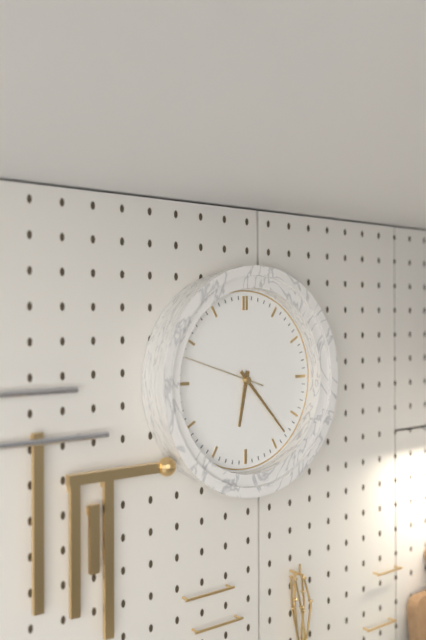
6:23:48
